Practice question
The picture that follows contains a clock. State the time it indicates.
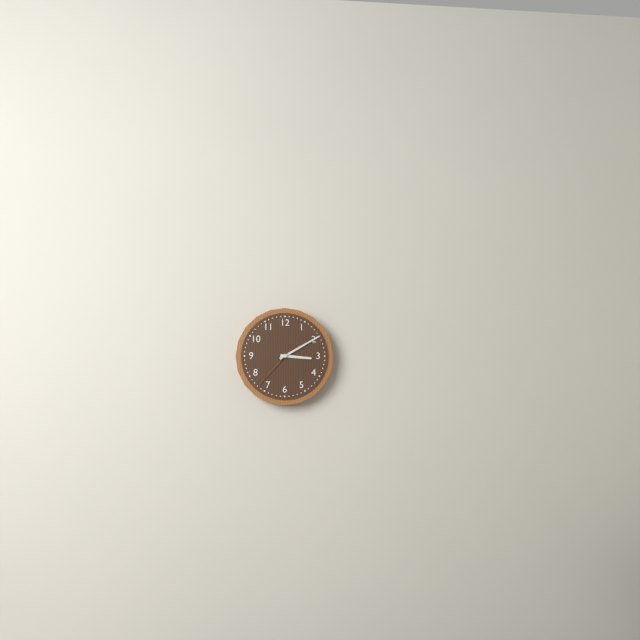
3:10
